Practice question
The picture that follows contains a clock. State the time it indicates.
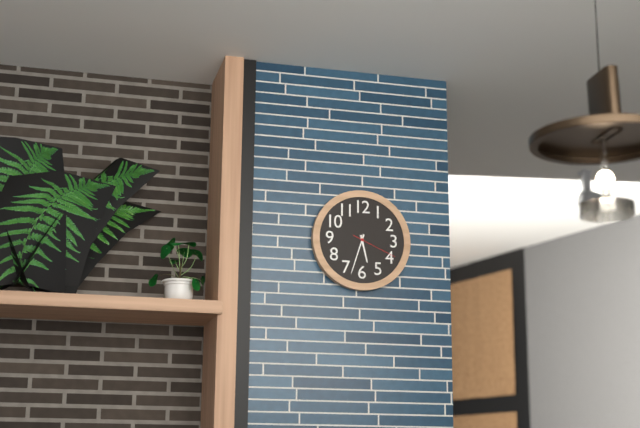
5:33
